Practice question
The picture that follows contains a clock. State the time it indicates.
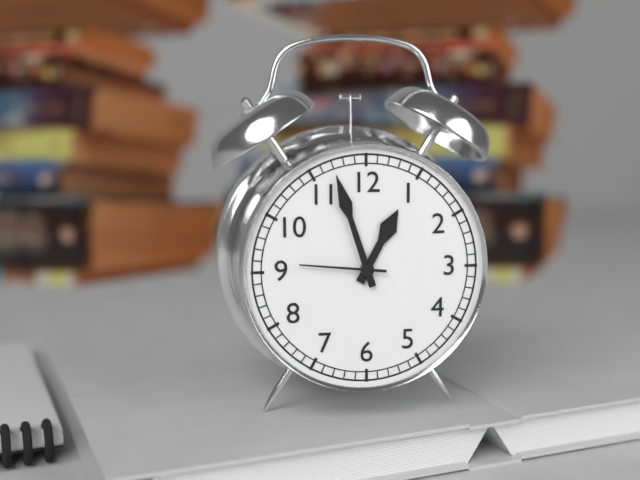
12:57:46
